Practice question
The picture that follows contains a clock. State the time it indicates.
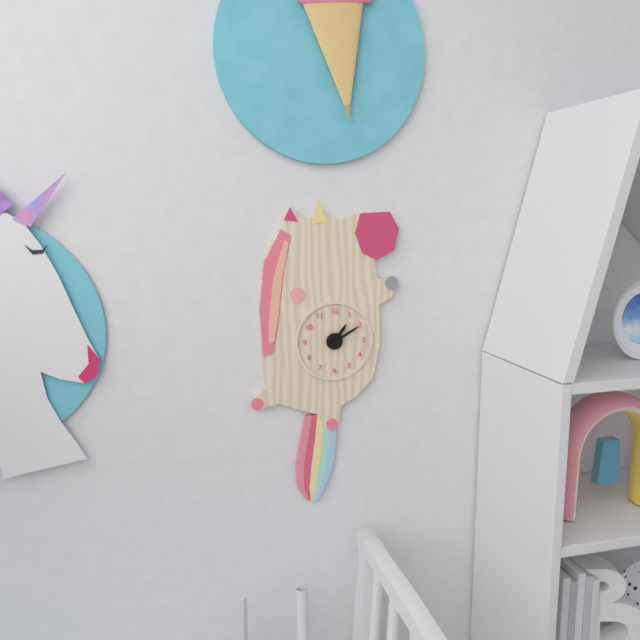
1:10
